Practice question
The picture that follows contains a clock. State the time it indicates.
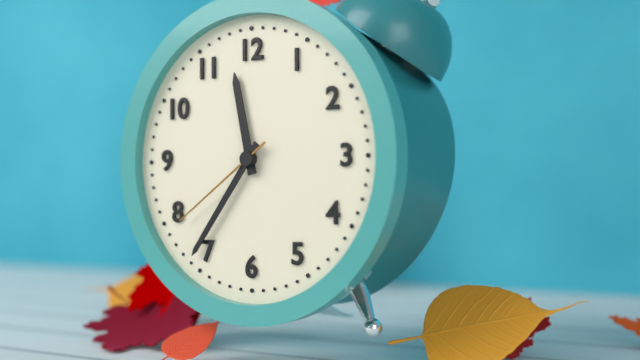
11:36:39
